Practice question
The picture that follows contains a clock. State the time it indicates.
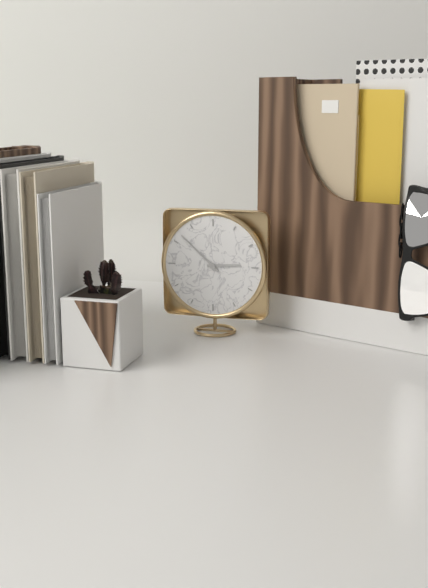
2:52
